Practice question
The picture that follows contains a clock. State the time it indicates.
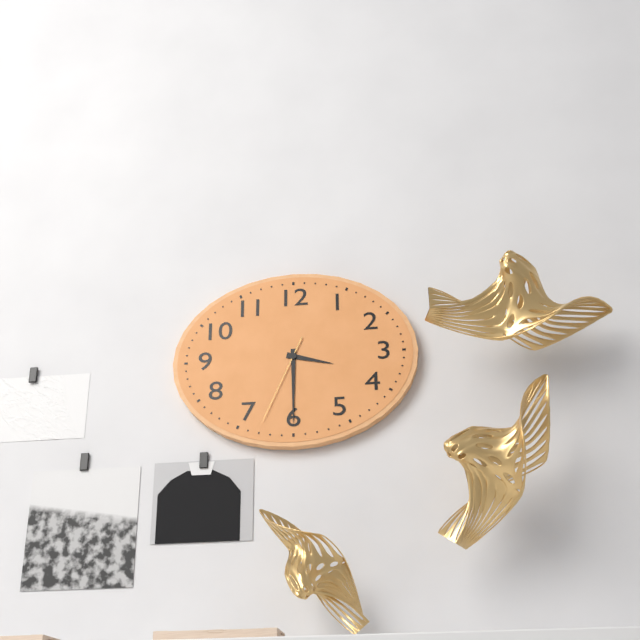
3:30:34
